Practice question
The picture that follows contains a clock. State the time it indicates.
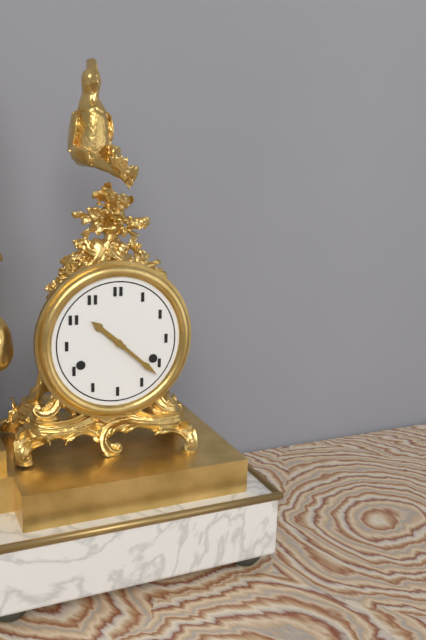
10:22
